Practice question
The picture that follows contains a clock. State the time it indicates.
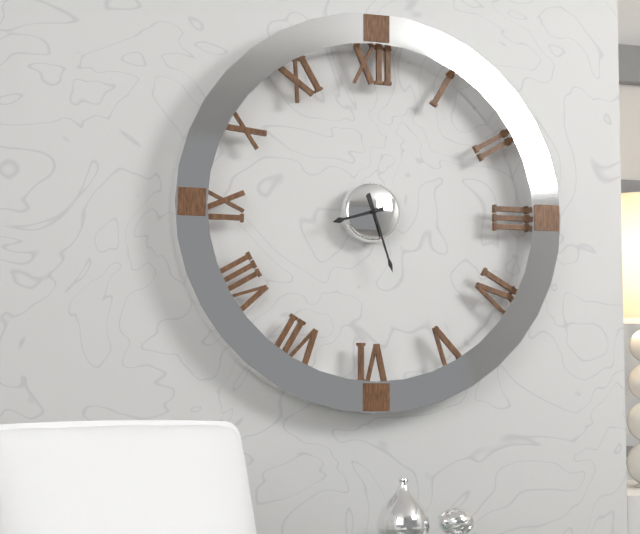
8:27
